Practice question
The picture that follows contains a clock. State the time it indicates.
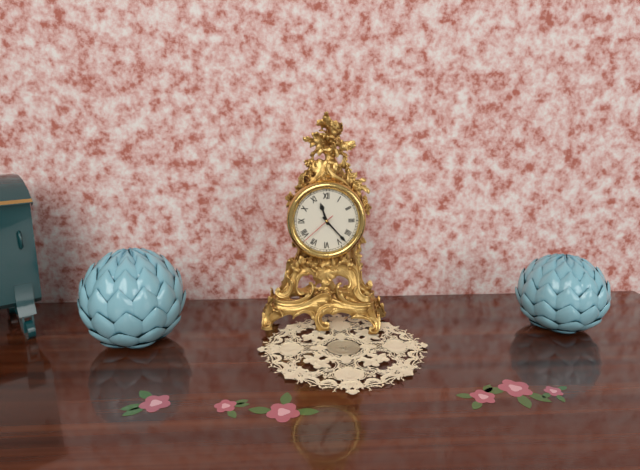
11:23
